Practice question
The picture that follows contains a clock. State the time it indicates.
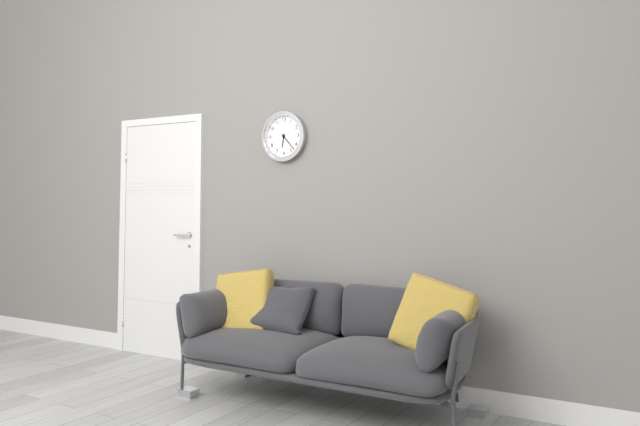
6:23
